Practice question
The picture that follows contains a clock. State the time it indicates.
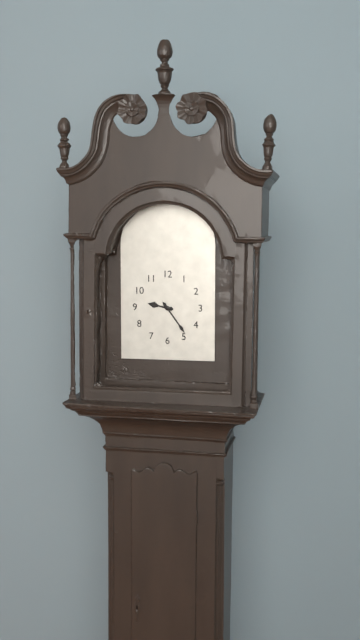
9:24
